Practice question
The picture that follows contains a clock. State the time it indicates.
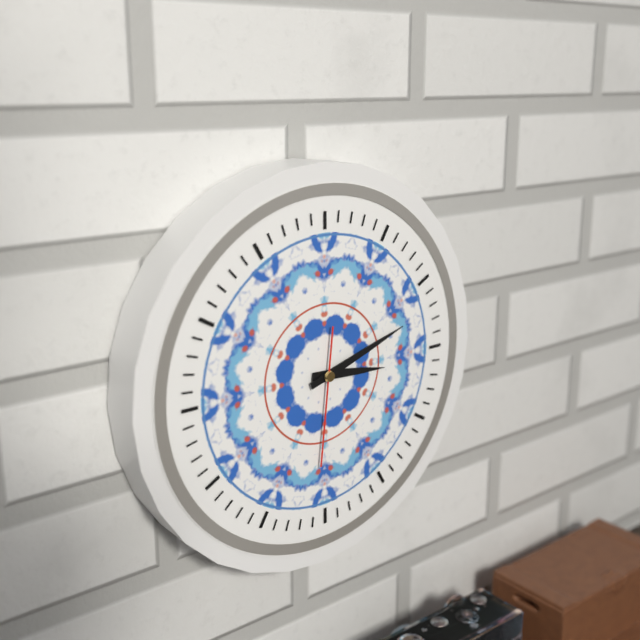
3:12:31
